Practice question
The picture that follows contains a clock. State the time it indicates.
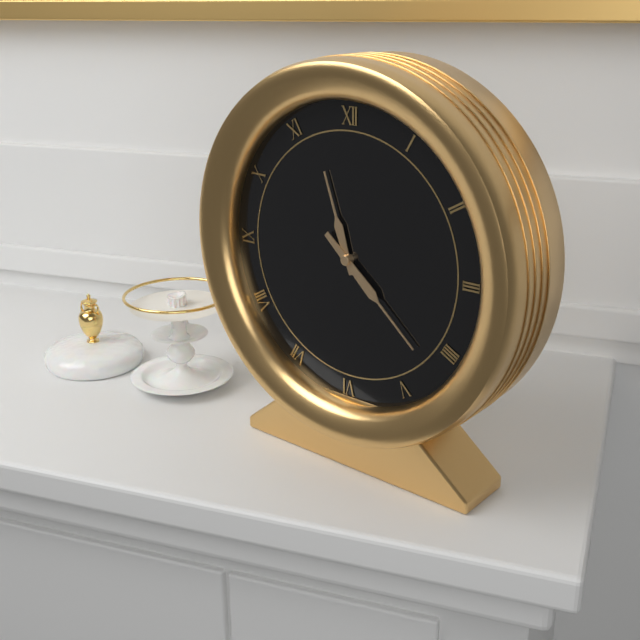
11:22
